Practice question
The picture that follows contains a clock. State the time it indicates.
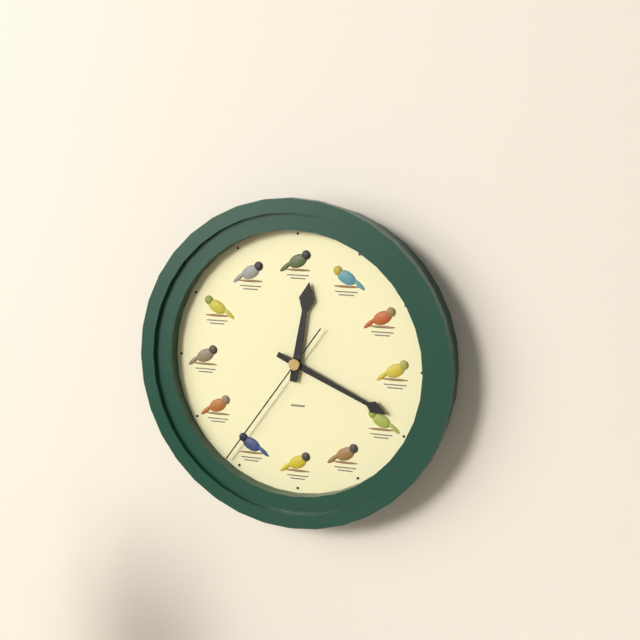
12:19:36
